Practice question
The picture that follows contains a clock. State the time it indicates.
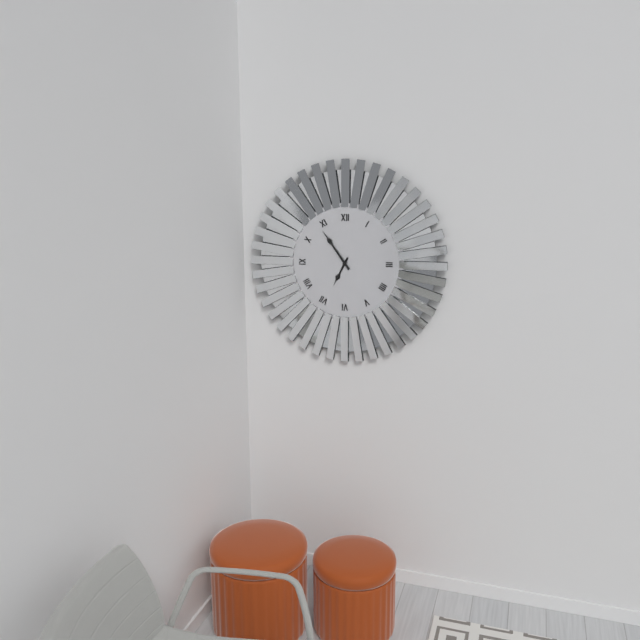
6:54
